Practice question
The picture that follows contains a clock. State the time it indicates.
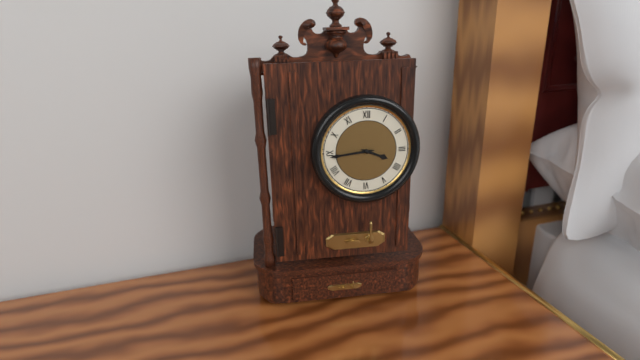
3:44
